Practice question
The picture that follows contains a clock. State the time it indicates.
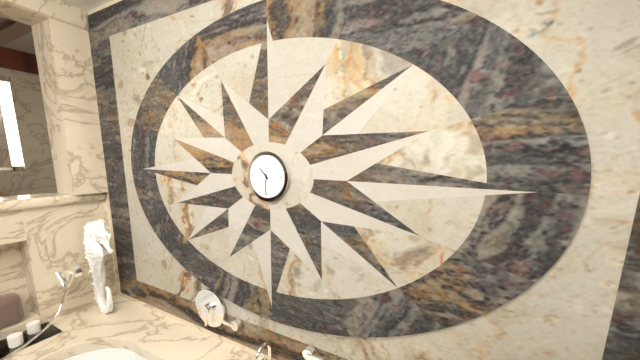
10:31
